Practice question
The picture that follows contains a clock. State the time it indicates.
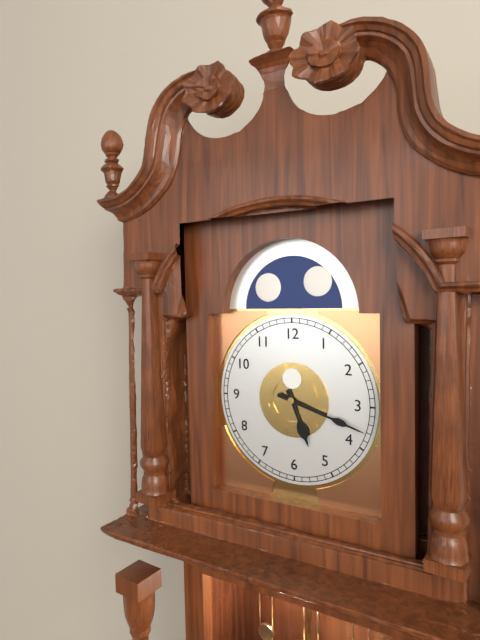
5:18
